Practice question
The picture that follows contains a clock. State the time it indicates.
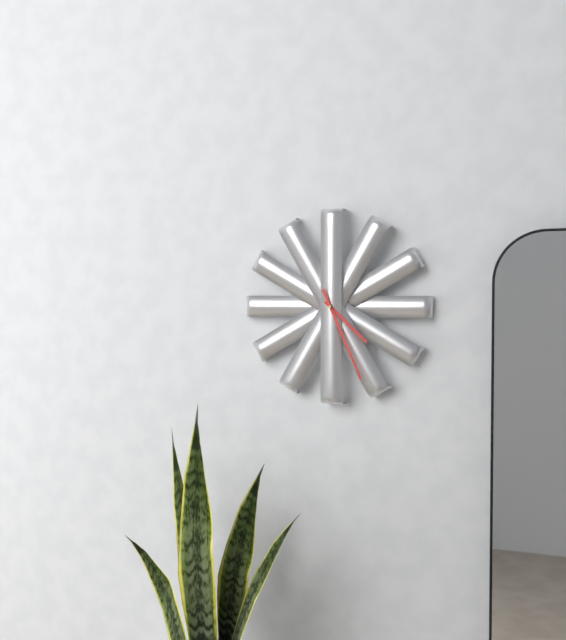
4:26
